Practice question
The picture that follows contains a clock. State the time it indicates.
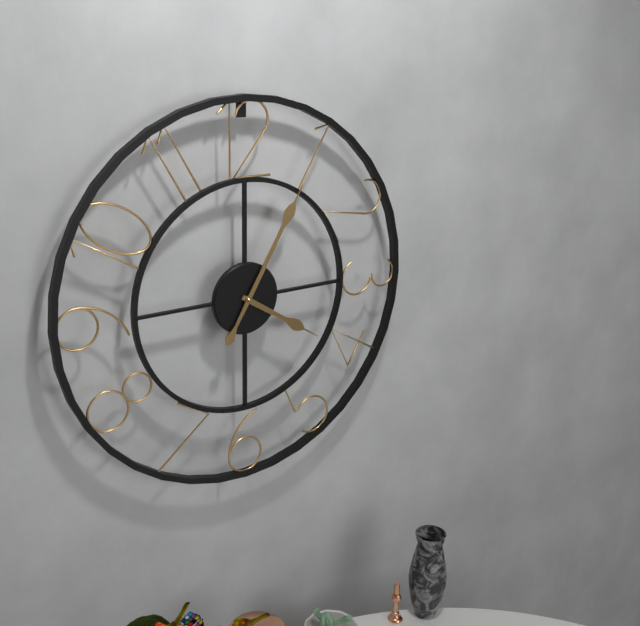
4:05
